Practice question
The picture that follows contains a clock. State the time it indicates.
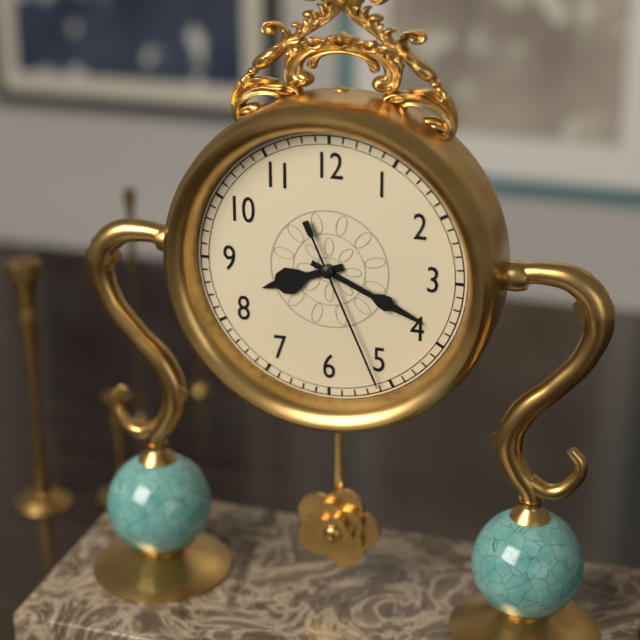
8:19:26
